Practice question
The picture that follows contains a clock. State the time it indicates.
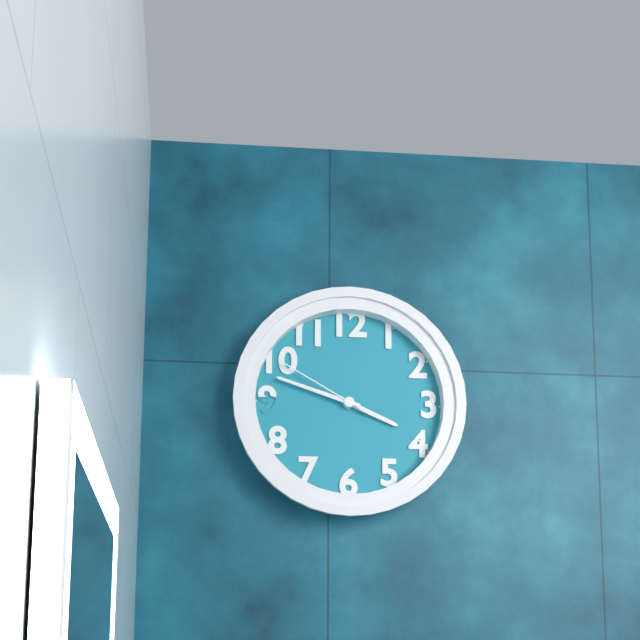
3:48:50
